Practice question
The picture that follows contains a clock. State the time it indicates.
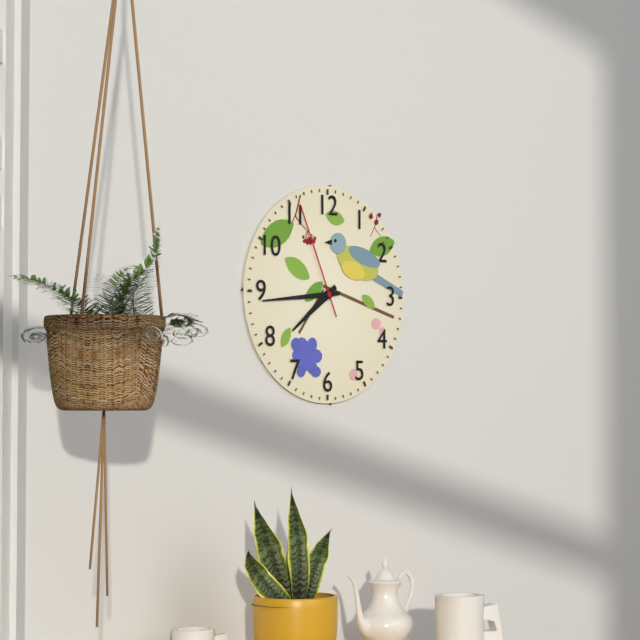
7:44:56
